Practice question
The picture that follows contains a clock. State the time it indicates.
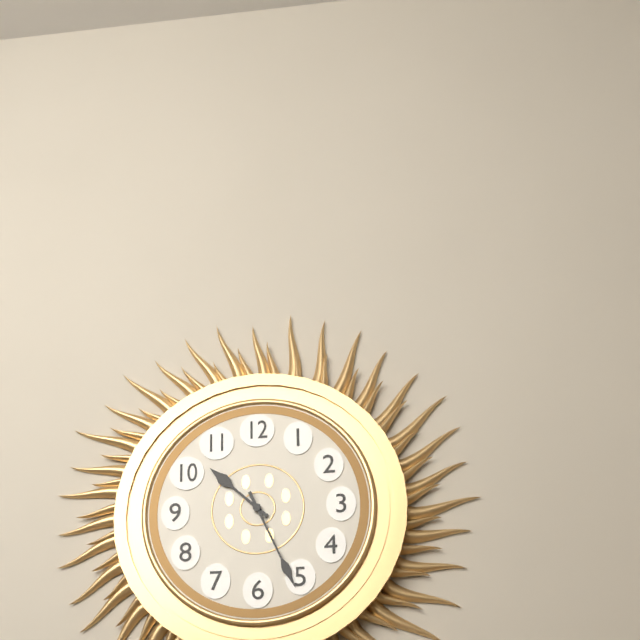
10:26
